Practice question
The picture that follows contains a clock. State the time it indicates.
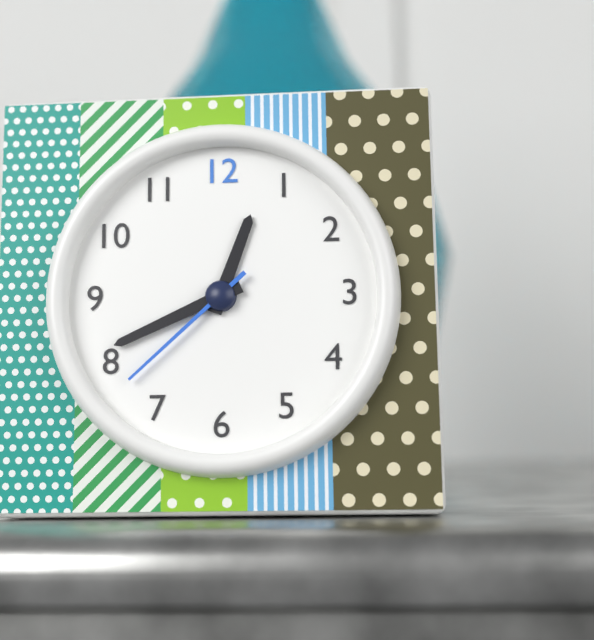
12:41:38
